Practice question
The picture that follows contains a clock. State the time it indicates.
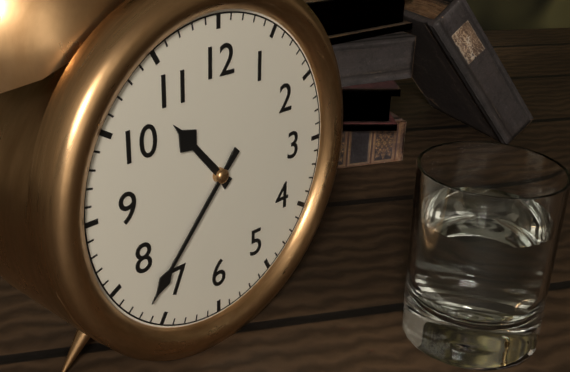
10:37
